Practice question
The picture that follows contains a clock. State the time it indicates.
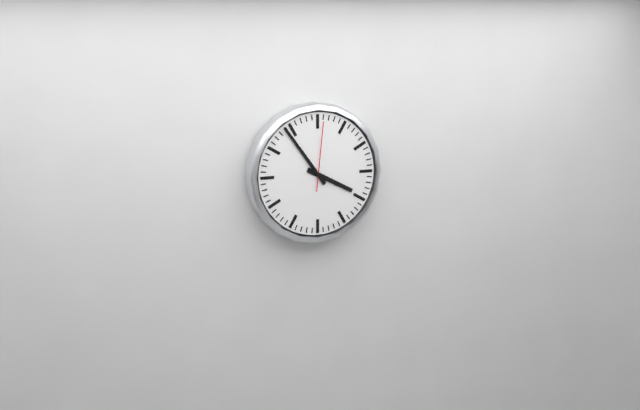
3:54:01
